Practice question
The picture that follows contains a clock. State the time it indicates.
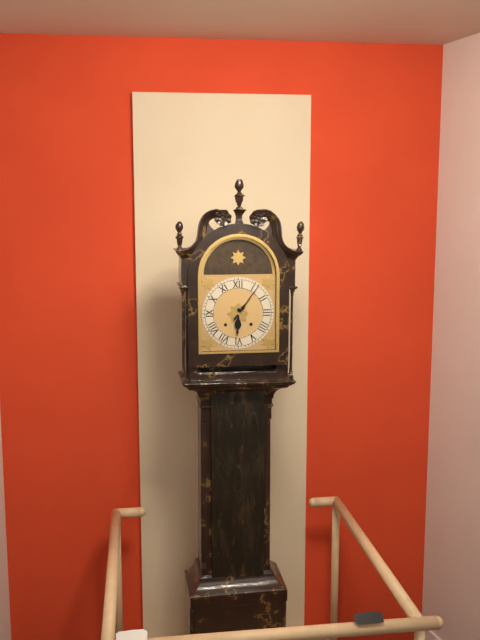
6:06
